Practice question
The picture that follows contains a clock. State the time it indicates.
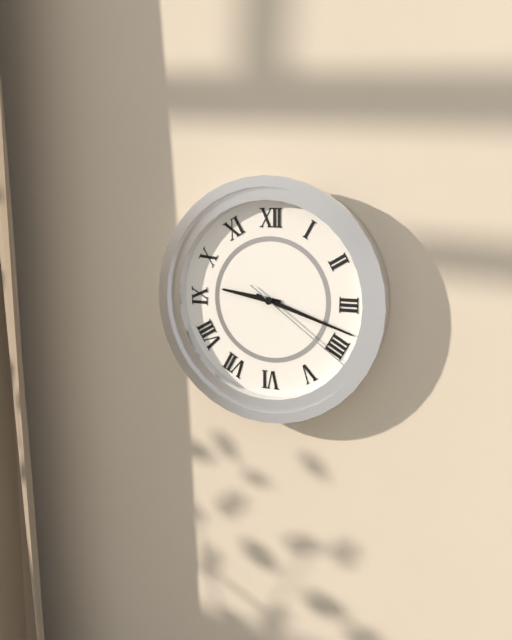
9:18:21
